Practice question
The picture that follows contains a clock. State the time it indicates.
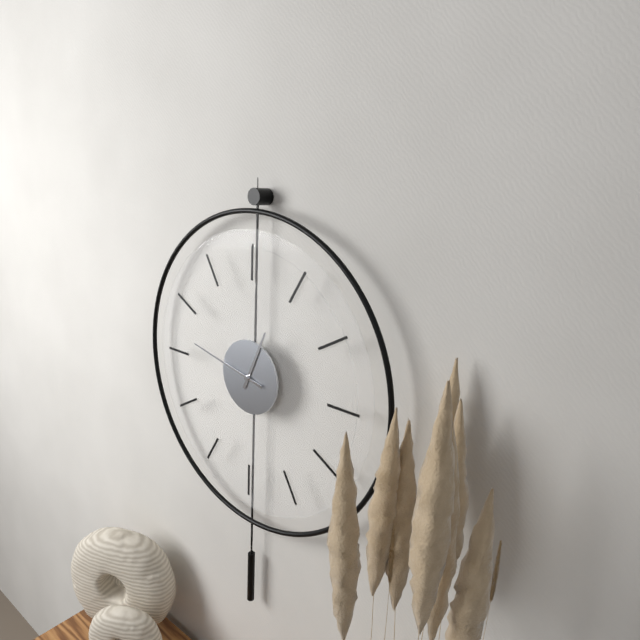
12:47
